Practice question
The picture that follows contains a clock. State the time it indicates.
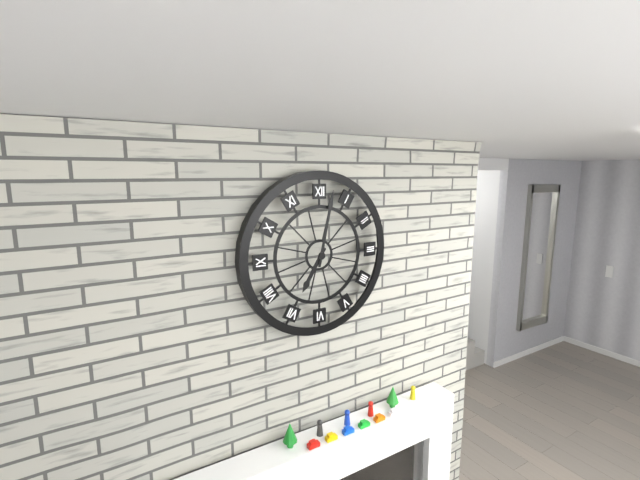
7:02
